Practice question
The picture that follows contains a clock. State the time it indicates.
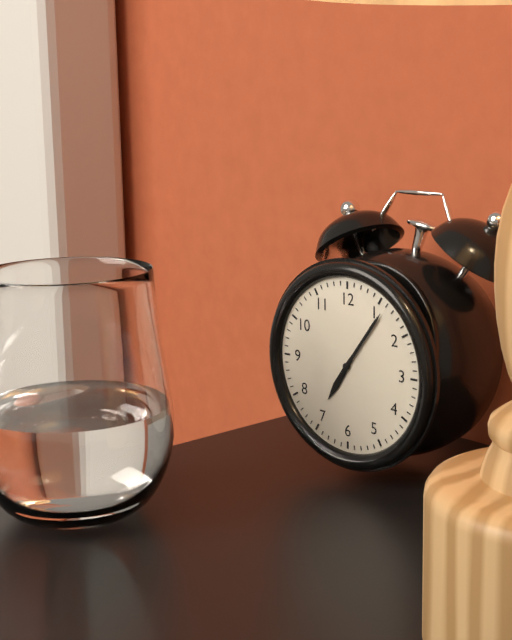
7:06
